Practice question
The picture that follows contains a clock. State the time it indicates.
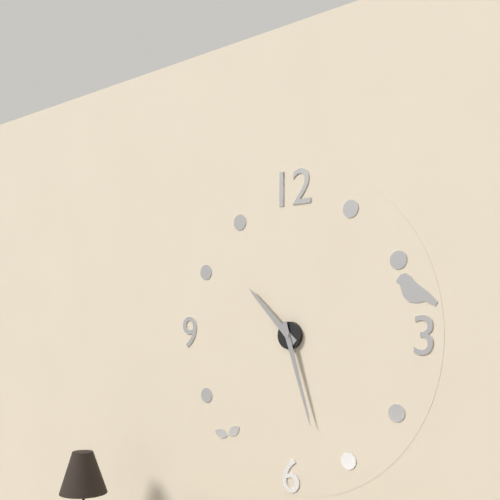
10:27
